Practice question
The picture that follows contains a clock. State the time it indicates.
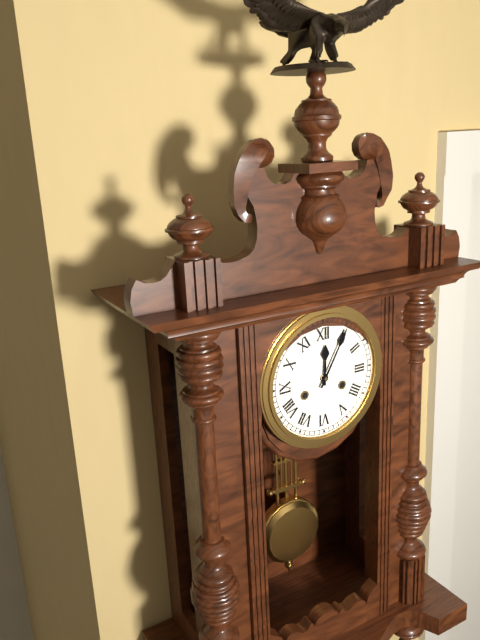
12:05
